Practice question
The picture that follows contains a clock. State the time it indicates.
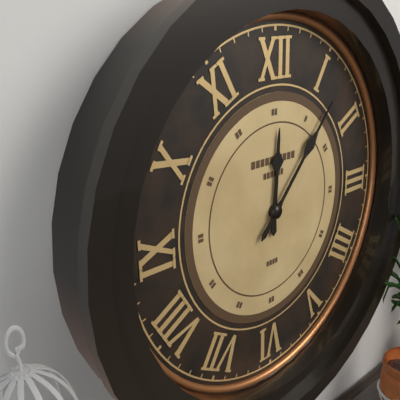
12:07
